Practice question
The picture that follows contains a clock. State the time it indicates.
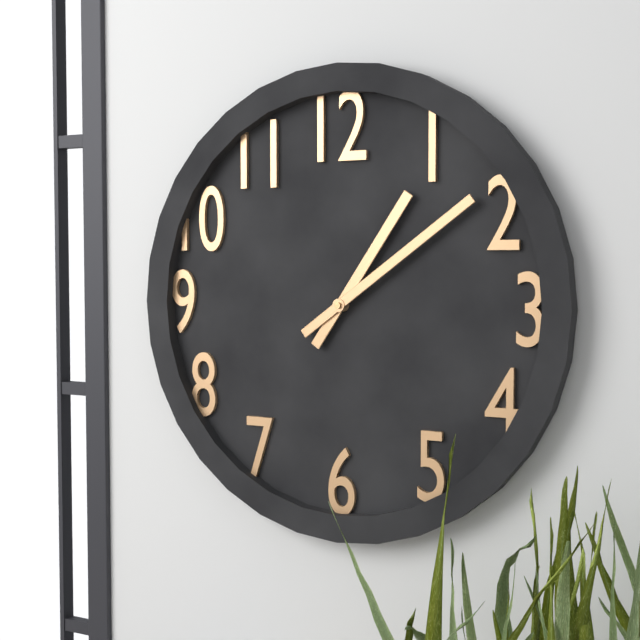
1:09
